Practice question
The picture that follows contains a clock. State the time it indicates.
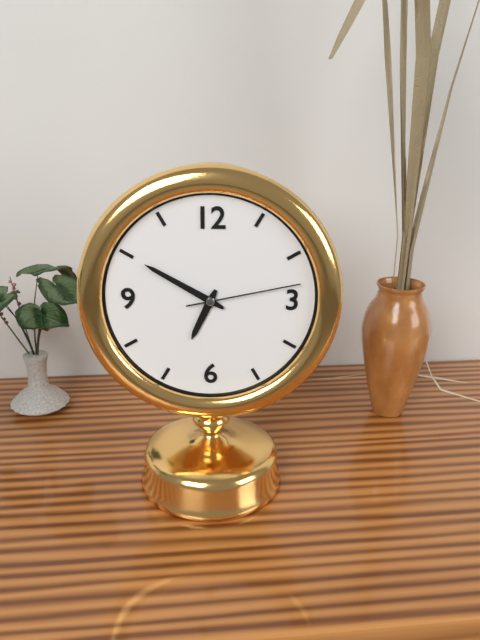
6:50:13
